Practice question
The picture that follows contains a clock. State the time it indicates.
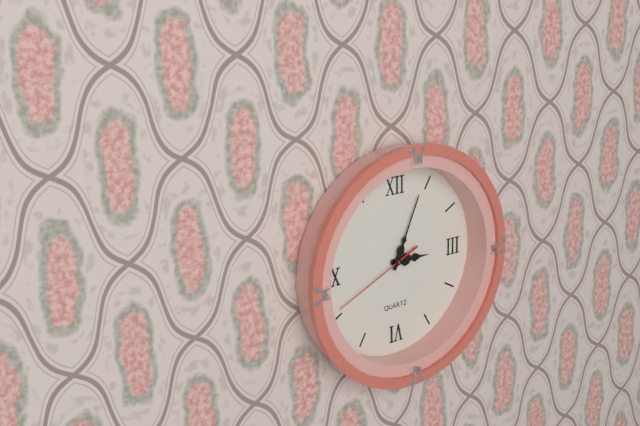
3:04:41
